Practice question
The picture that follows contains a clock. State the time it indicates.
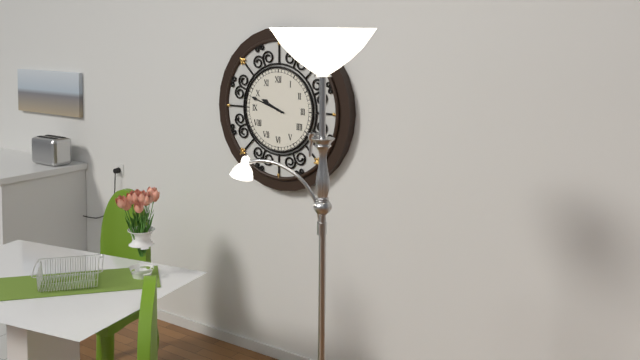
9:48
